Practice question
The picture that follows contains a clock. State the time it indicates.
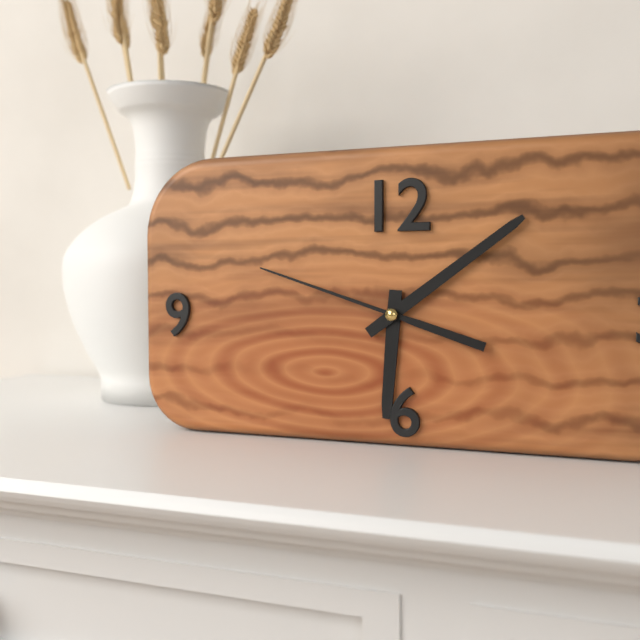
6:09:48
